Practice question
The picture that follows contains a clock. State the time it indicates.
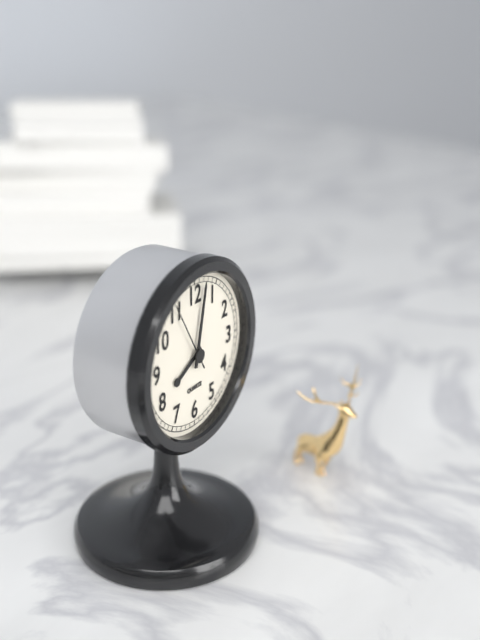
8:02:55
